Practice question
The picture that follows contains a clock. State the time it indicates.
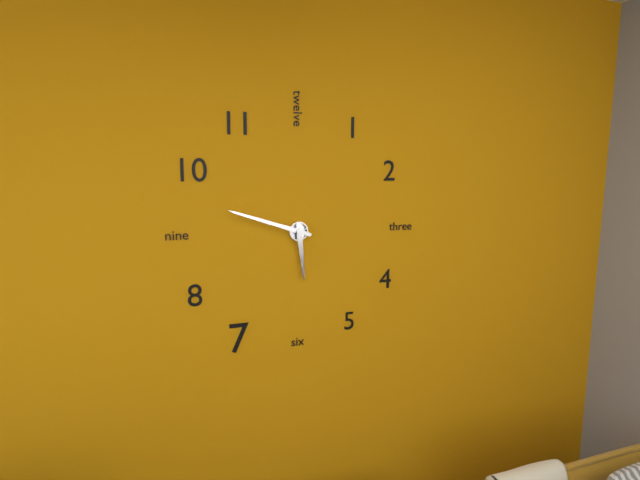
5:48
